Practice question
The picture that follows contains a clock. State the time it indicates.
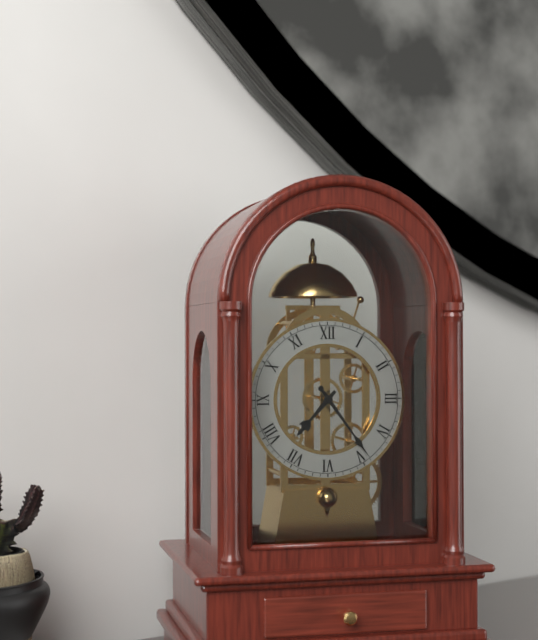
7:24
